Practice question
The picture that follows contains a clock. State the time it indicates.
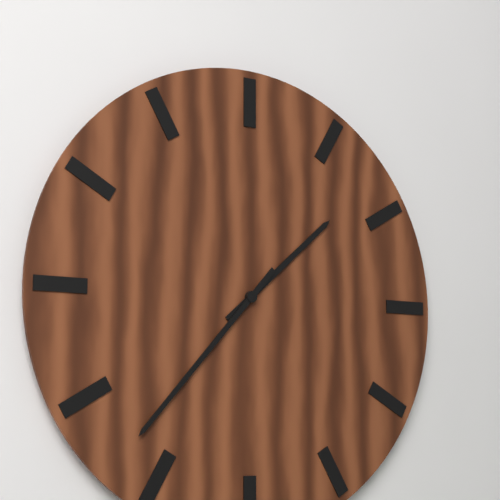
1:37
